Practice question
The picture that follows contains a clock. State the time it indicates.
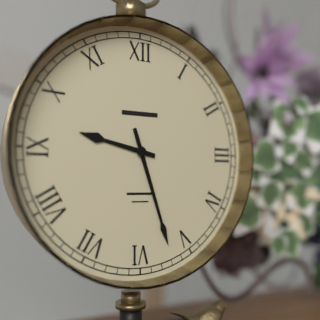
9:27
